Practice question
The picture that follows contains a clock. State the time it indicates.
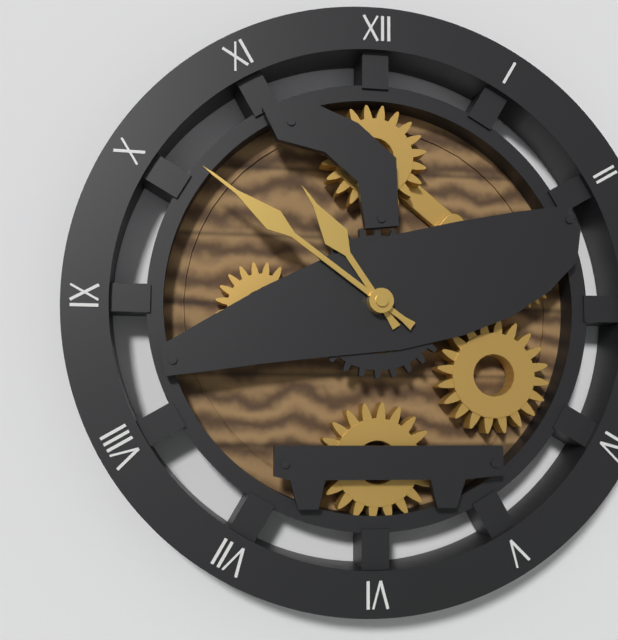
10:51
